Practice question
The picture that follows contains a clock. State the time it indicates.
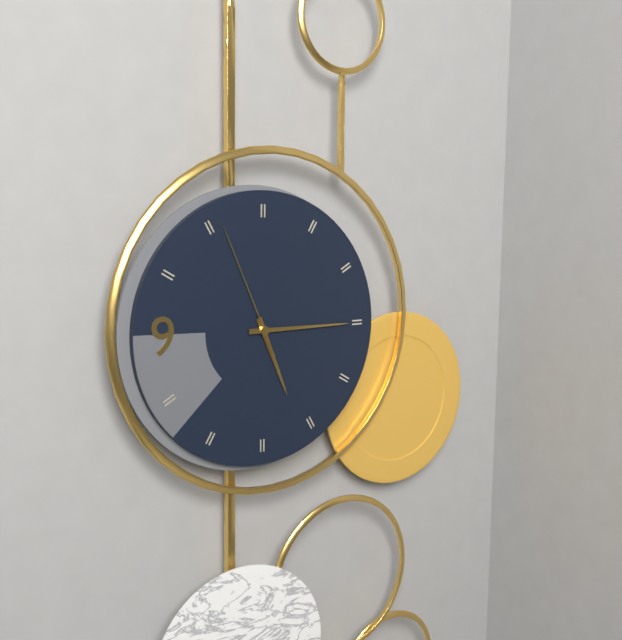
5:15:56
